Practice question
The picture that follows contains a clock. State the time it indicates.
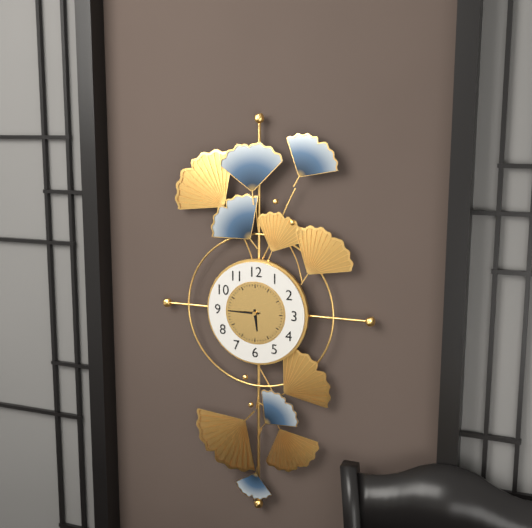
5:45
